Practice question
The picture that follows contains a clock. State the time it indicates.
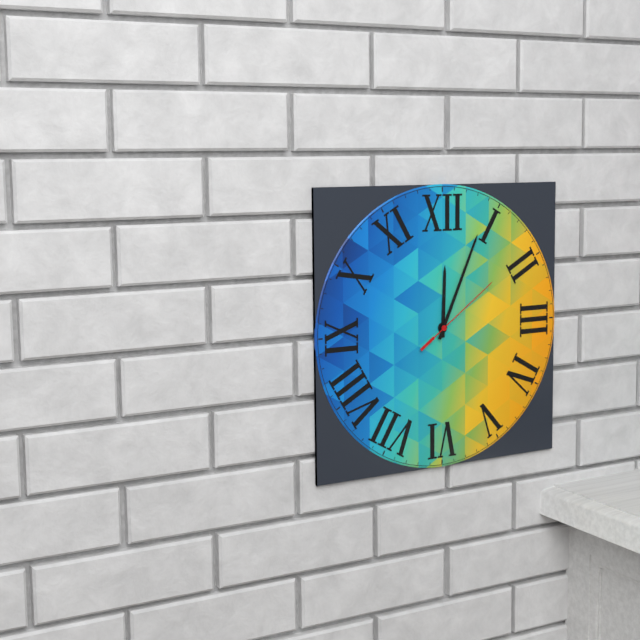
12:04:09
